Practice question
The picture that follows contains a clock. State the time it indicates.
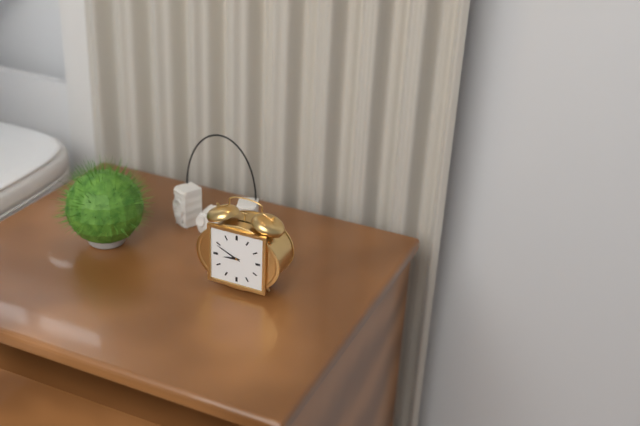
8:49
